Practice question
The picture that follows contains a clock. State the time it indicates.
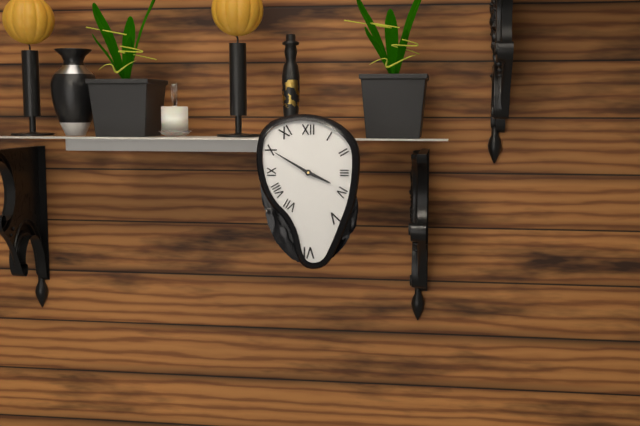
3:50
